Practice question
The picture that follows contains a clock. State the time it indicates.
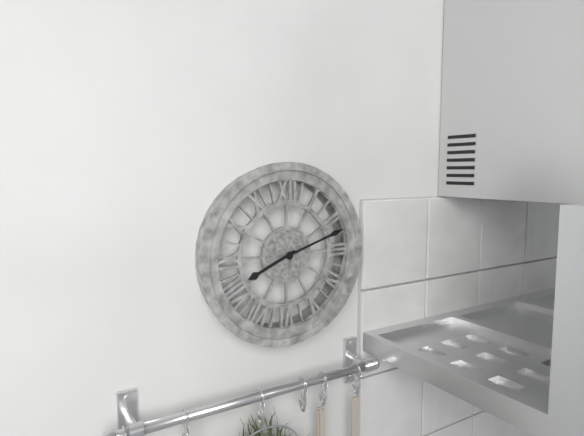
8:12
